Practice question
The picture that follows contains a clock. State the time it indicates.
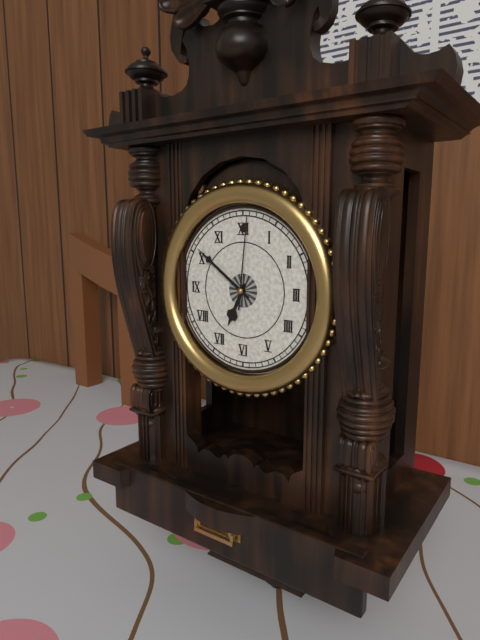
6:51:01
